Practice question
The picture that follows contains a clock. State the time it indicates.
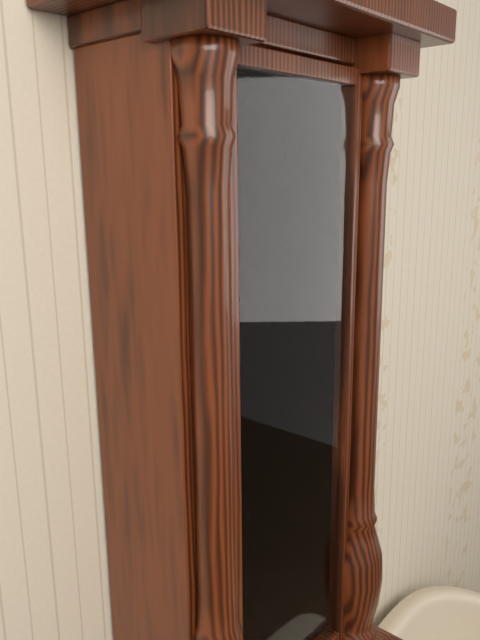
12:11
